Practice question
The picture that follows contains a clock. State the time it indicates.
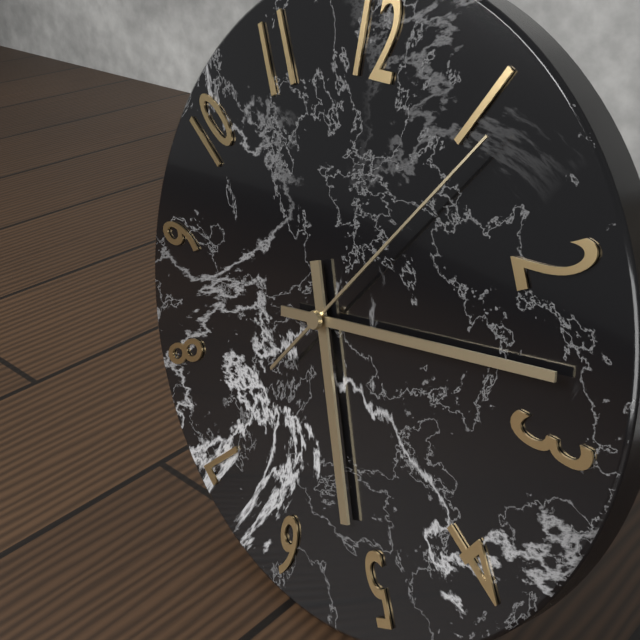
5:13:06
